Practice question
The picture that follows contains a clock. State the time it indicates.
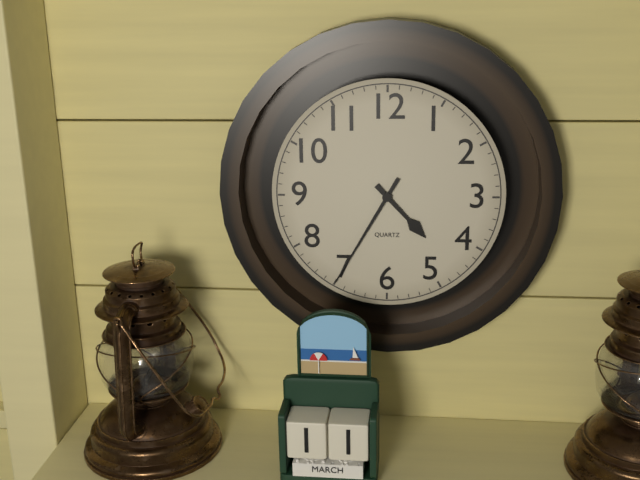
4:35
